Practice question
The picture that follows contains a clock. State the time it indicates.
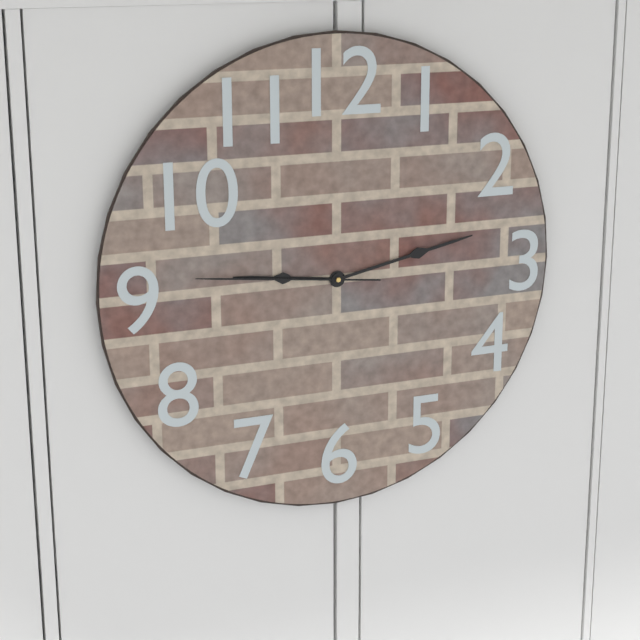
9:13:46
